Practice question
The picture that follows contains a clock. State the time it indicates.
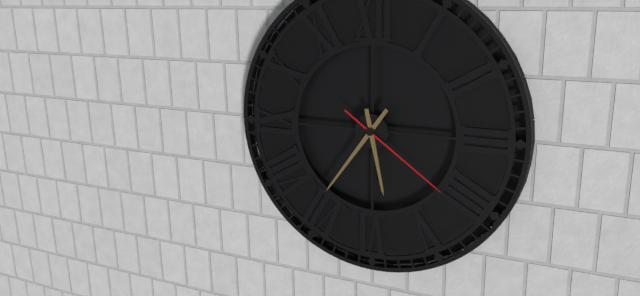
5:36:21
